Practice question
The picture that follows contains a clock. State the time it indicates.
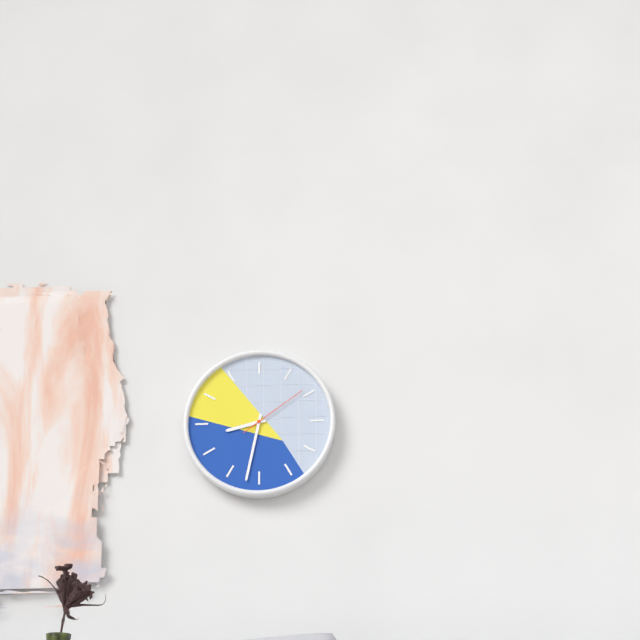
8:32:09
